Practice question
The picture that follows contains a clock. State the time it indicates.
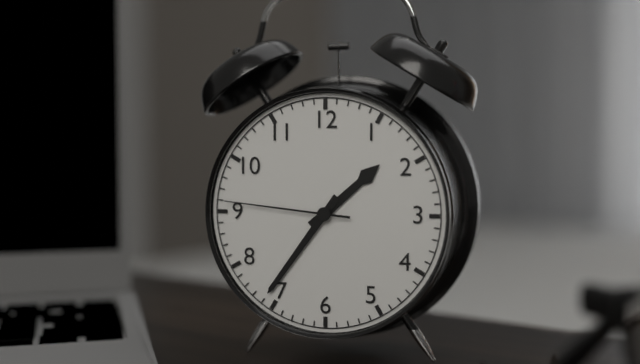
1:36:46
